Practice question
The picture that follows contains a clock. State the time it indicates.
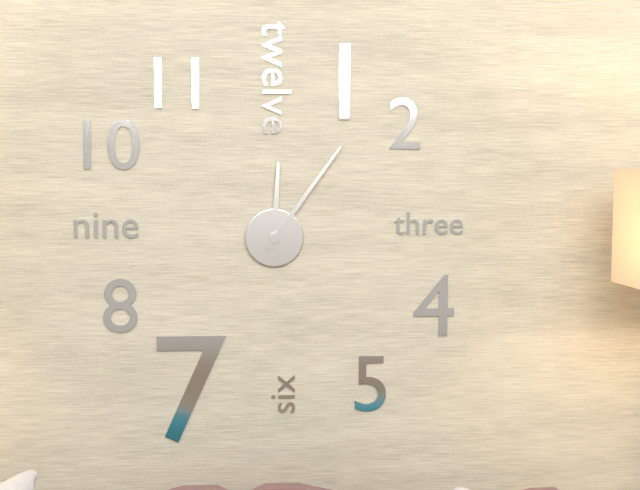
12:06
